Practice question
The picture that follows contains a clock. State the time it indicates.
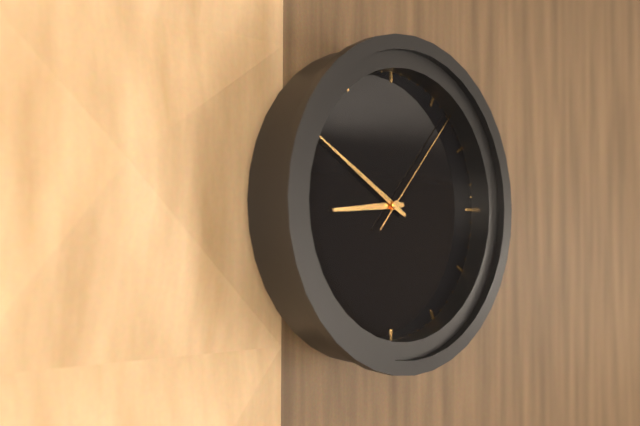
8:50:07
